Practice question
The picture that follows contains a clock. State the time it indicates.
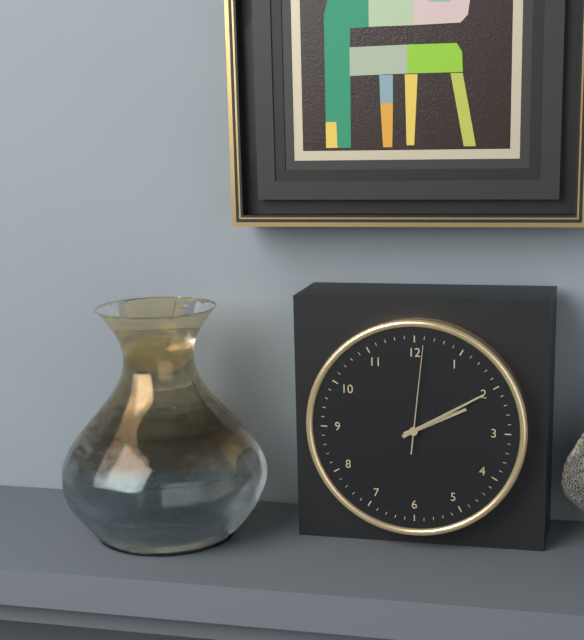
2:10:01
